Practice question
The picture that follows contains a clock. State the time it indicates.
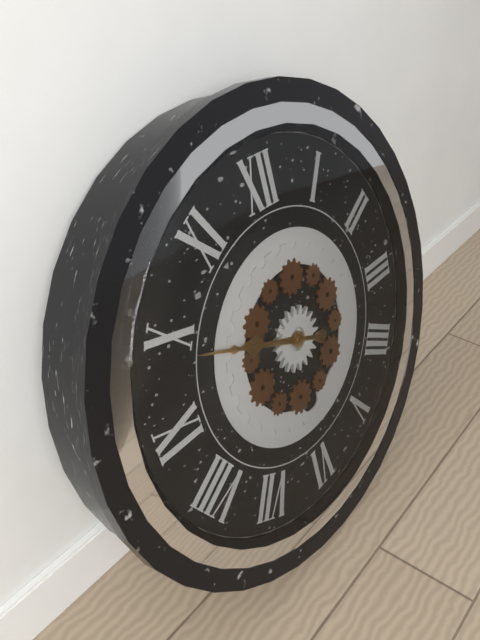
9:49
